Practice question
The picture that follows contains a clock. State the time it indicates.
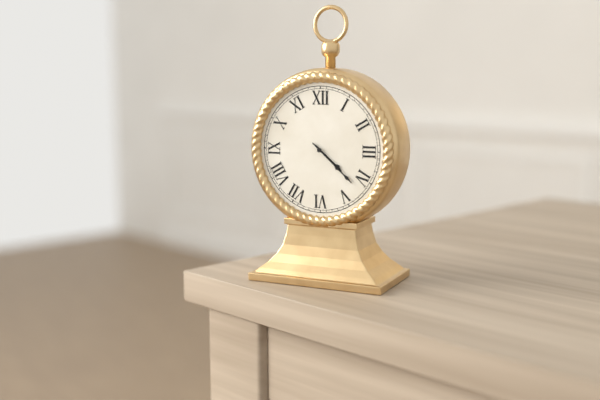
4:22
